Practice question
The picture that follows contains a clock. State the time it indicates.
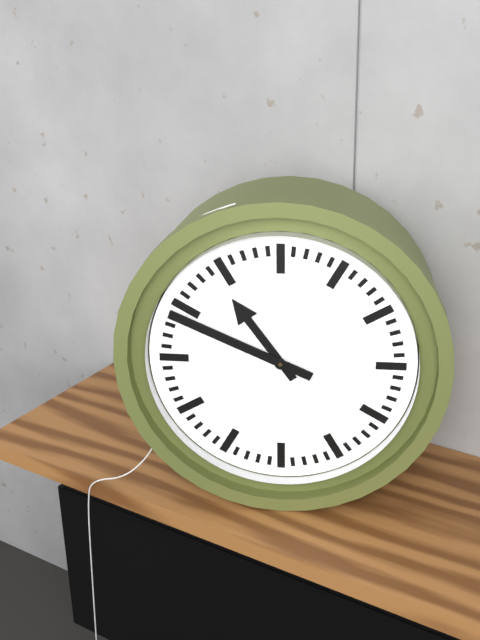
10:49
